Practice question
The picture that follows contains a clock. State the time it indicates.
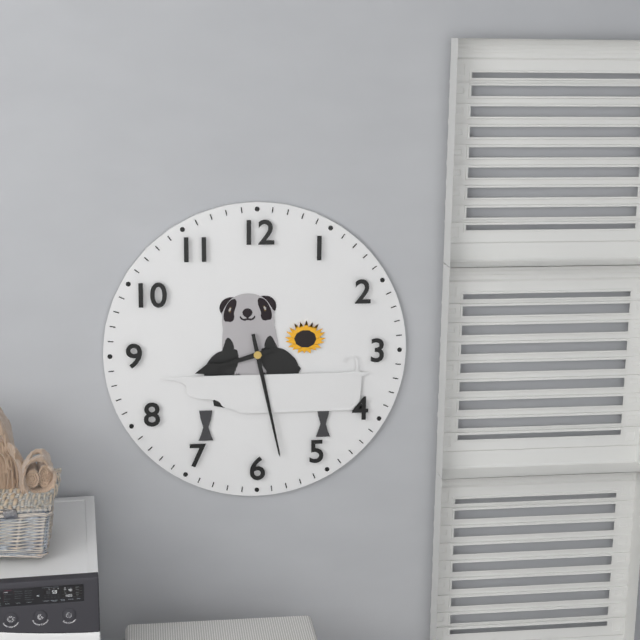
8:28
